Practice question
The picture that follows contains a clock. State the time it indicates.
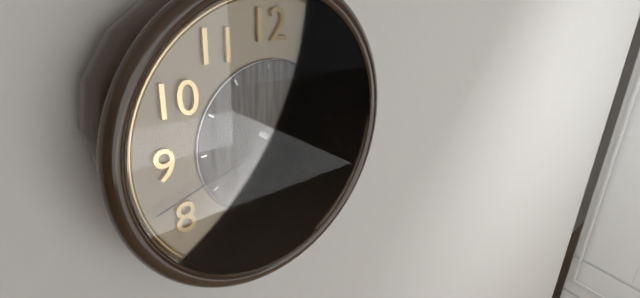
4:21:42
